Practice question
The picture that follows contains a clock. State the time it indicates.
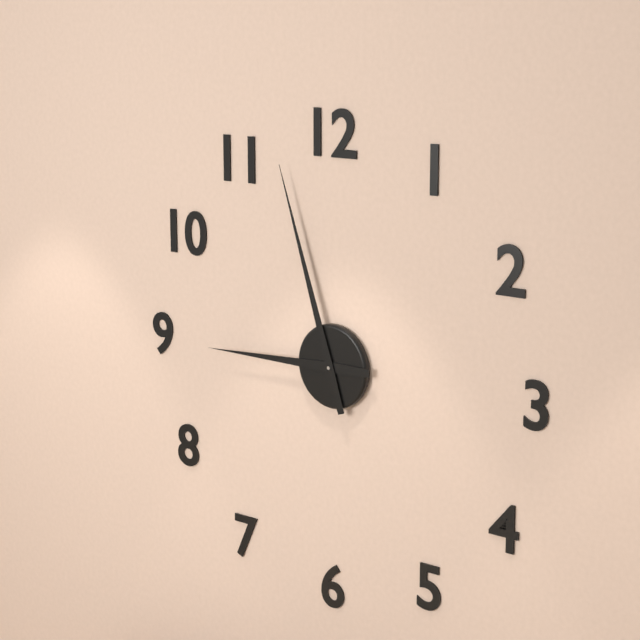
8:57
